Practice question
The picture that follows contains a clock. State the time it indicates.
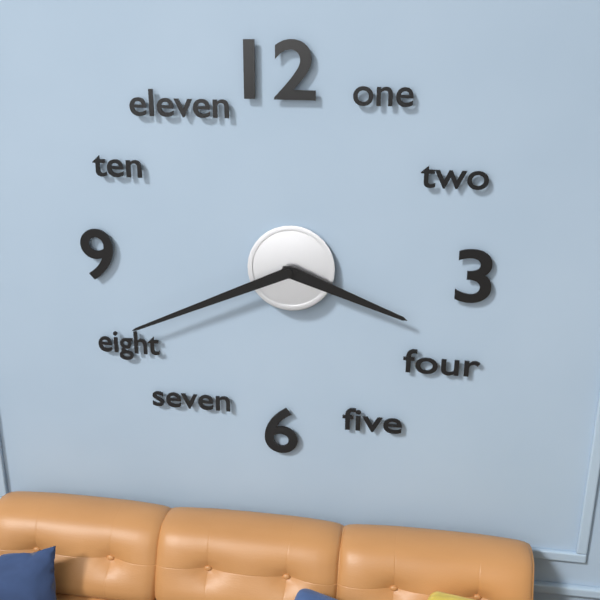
3:41
